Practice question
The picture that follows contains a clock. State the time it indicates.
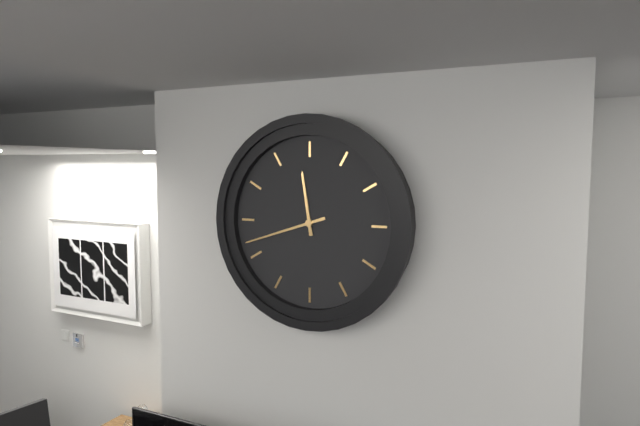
11:42
